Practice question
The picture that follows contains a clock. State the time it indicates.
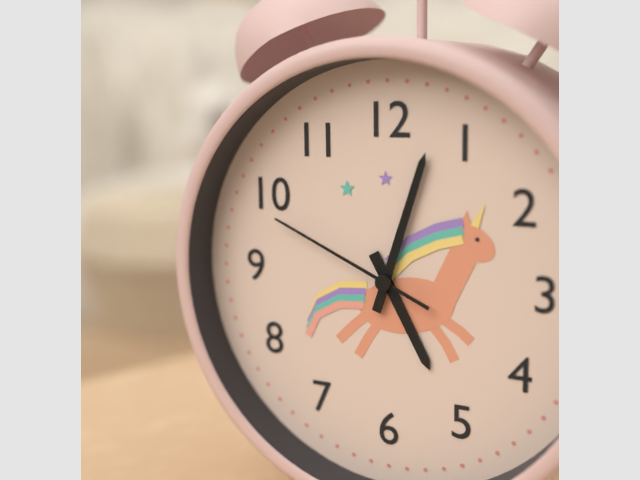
5:03:49
